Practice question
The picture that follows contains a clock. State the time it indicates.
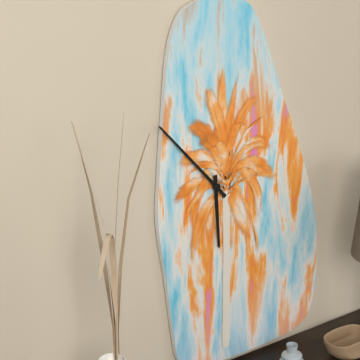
5:53
